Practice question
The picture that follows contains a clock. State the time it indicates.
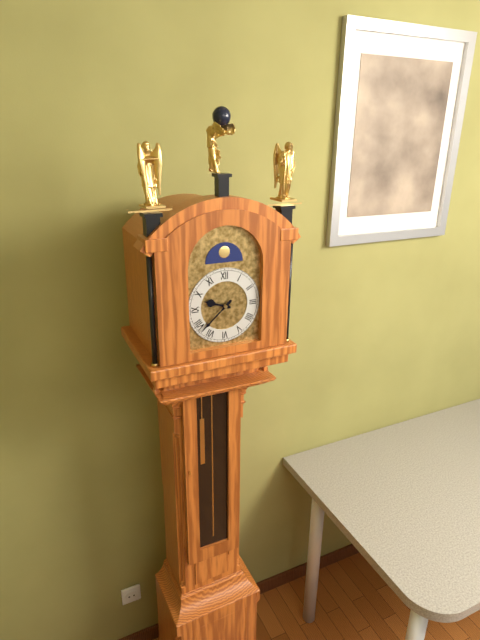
9:38
